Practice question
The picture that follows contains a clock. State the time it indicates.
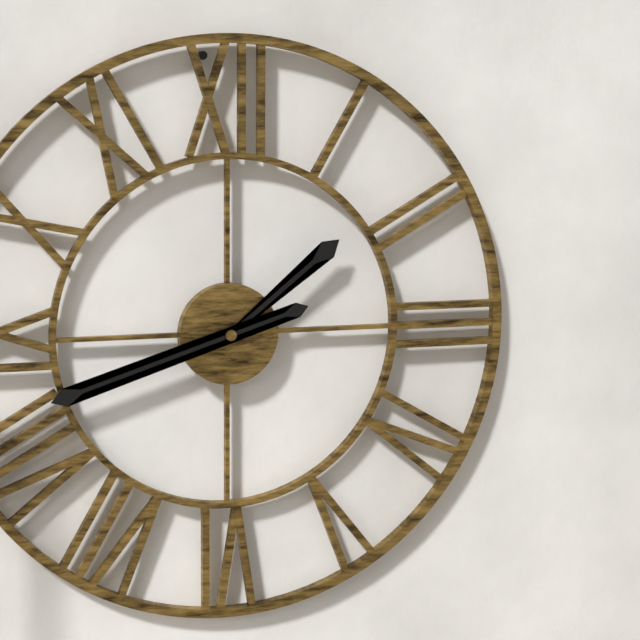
1:42
